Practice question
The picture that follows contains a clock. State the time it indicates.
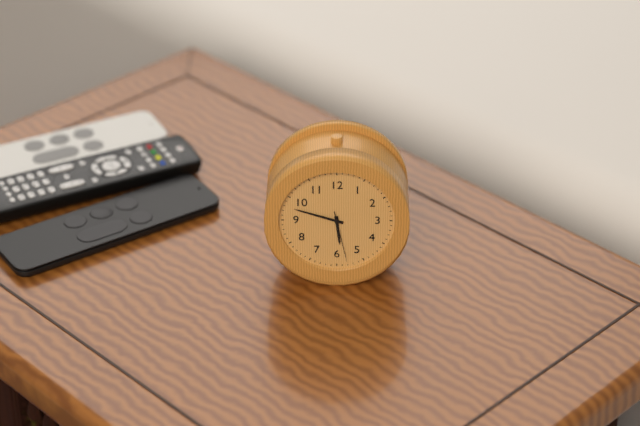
5:48:28
